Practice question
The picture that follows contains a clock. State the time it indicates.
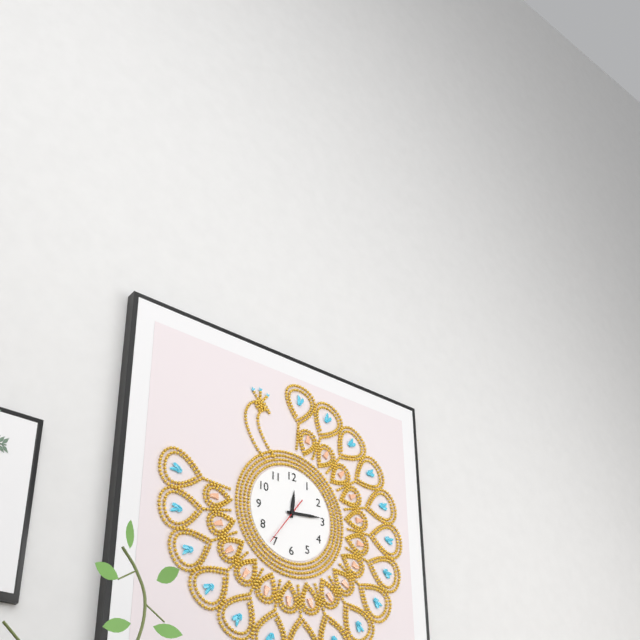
12:14
